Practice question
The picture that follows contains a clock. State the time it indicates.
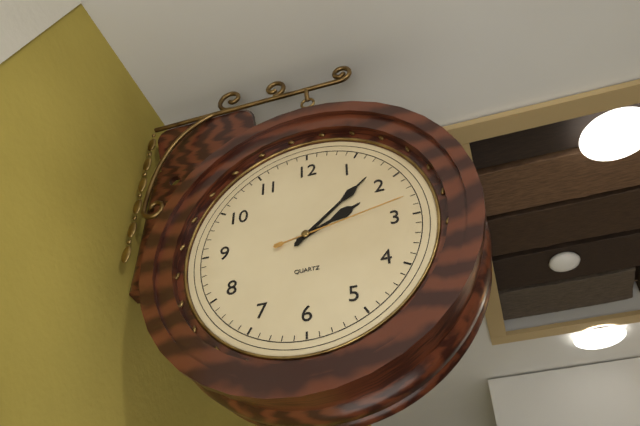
2:08:13
